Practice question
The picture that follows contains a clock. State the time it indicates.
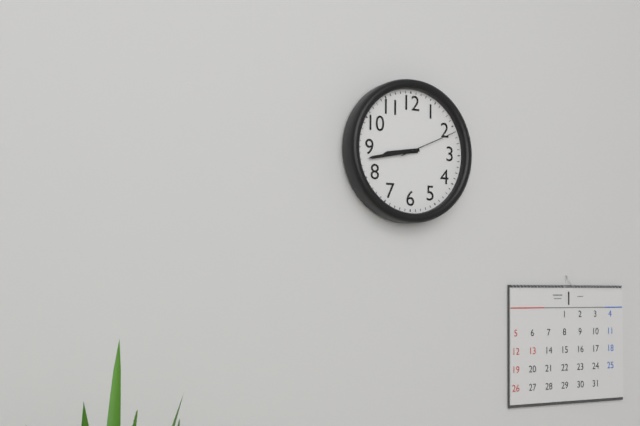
8:43:11
